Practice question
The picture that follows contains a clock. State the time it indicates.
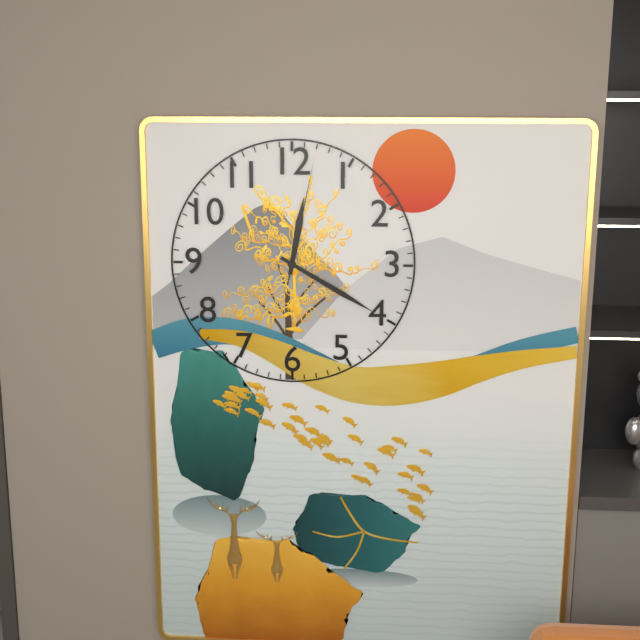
12:20:02
